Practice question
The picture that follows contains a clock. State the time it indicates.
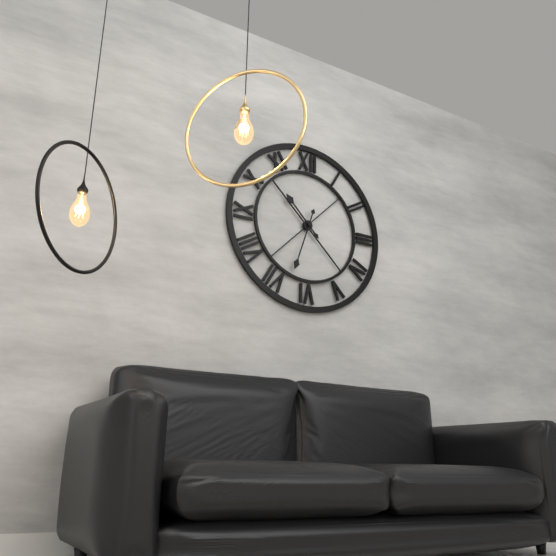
10:33
